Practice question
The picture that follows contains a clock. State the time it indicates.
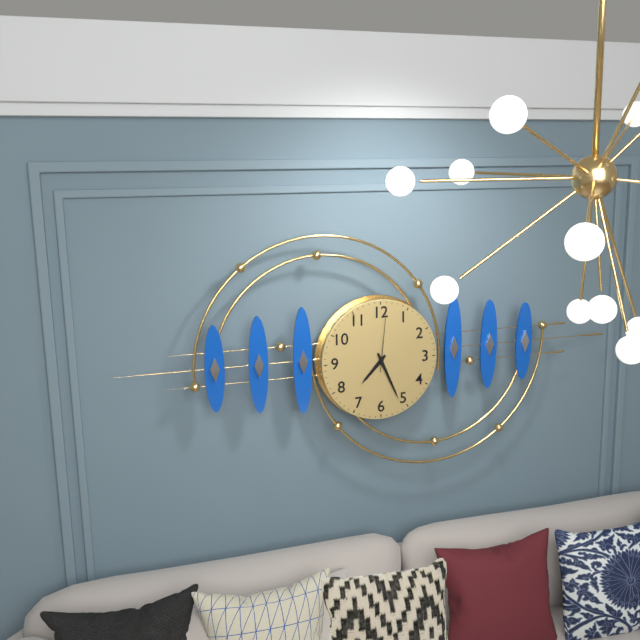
7:26:01
